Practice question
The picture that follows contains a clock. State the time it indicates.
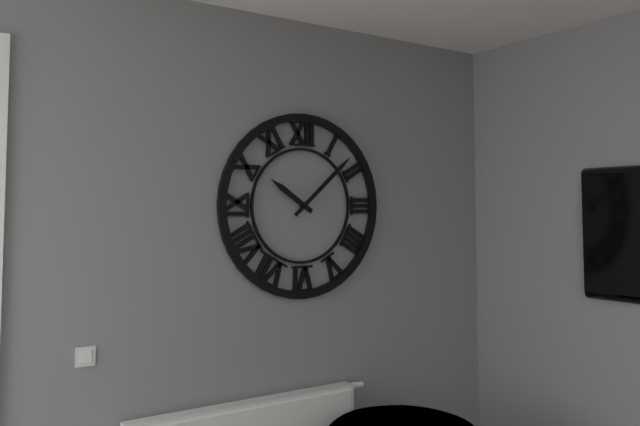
10:08
